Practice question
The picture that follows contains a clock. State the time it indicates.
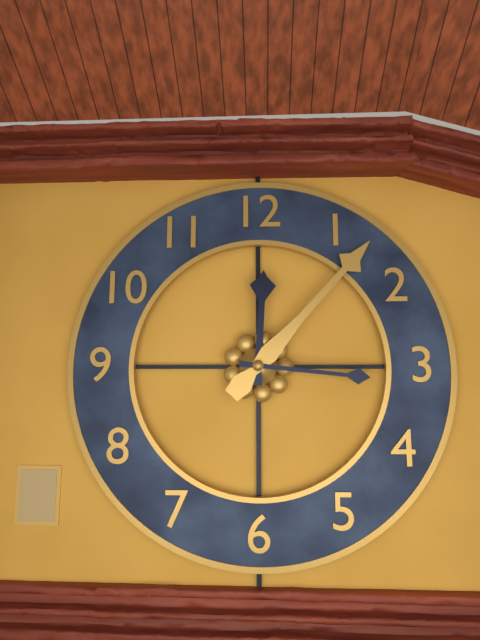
12:07:16
